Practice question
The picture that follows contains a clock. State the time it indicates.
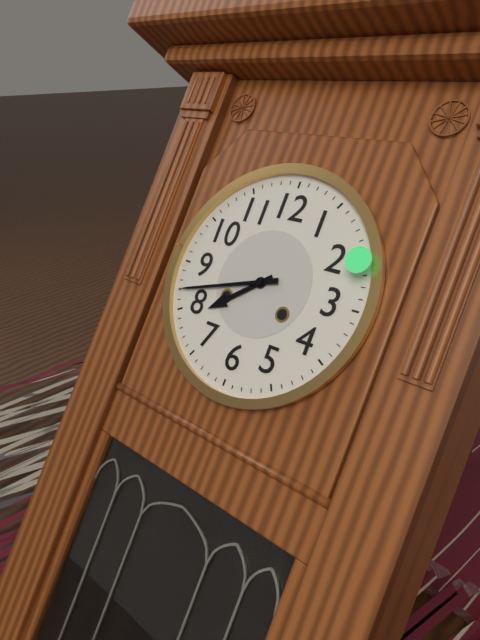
7:42
